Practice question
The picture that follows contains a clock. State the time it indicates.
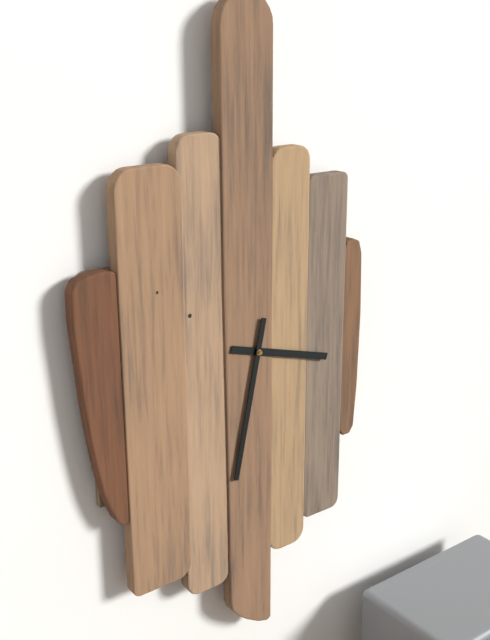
3:32
